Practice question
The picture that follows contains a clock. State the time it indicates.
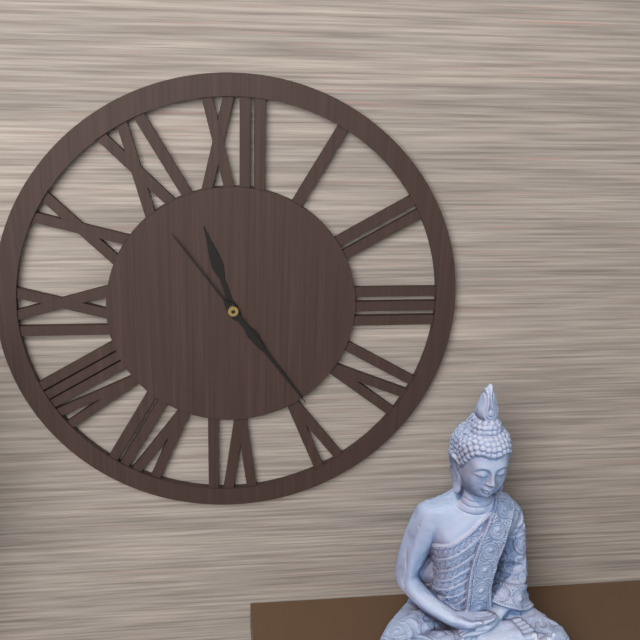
11:24:54
